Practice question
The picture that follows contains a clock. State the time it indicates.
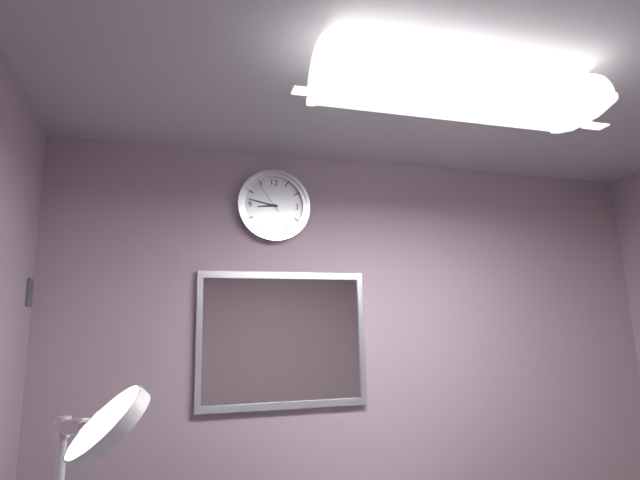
8:47
